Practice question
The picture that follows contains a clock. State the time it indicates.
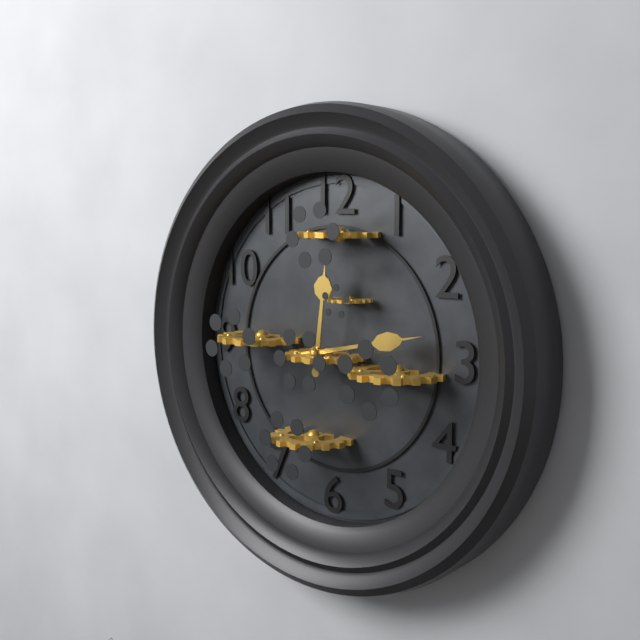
12:13
